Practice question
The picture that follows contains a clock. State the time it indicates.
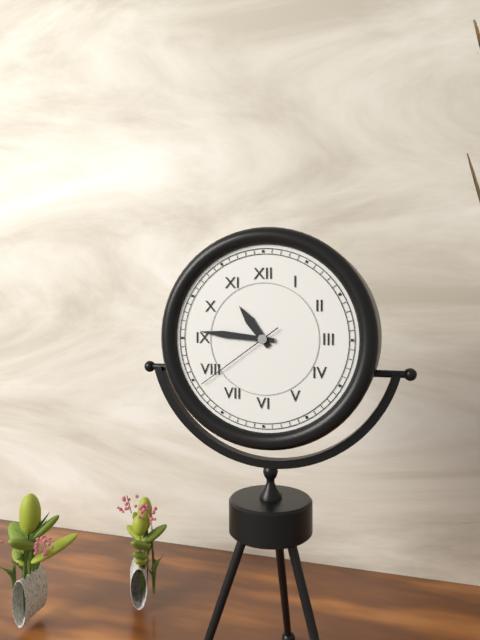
10:46:39
